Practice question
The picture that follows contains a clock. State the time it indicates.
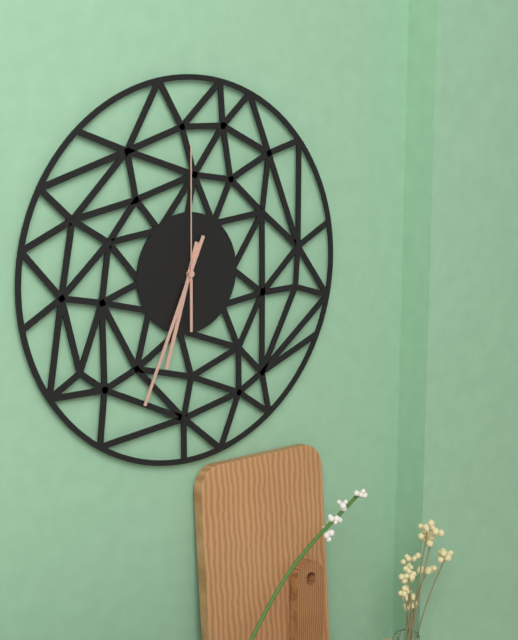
6:34:00
